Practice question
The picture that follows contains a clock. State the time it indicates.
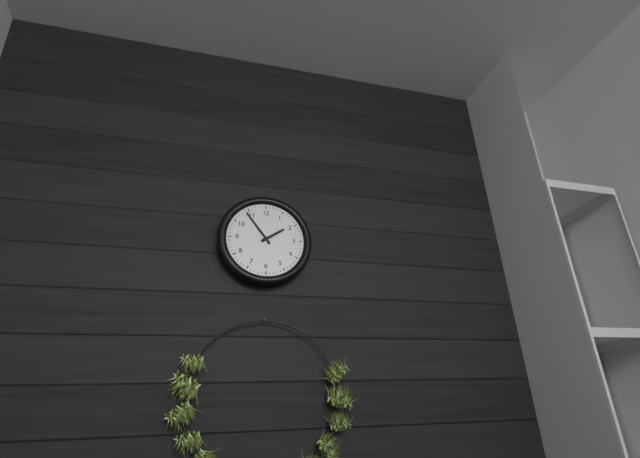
1:54
